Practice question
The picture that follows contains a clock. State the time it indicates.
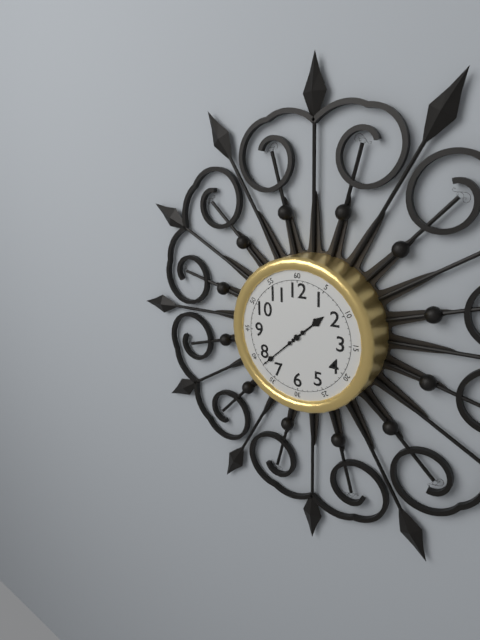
1:38
